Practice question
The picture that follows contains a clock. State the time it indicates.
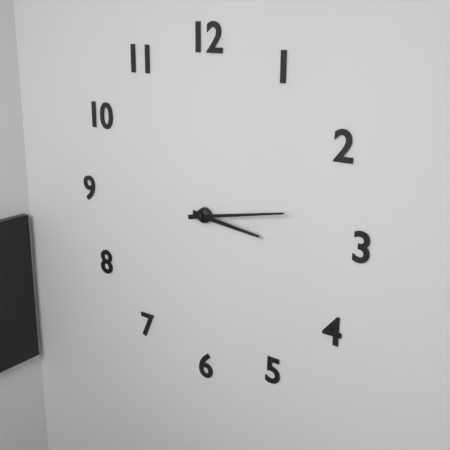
3:13
